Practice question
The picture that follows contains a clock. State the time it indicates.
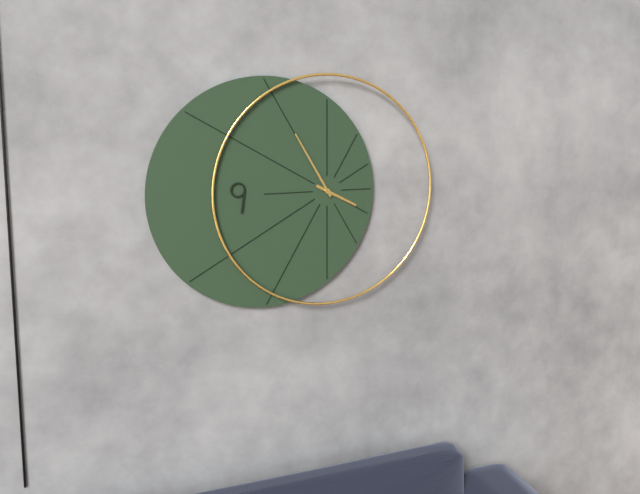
3:55
